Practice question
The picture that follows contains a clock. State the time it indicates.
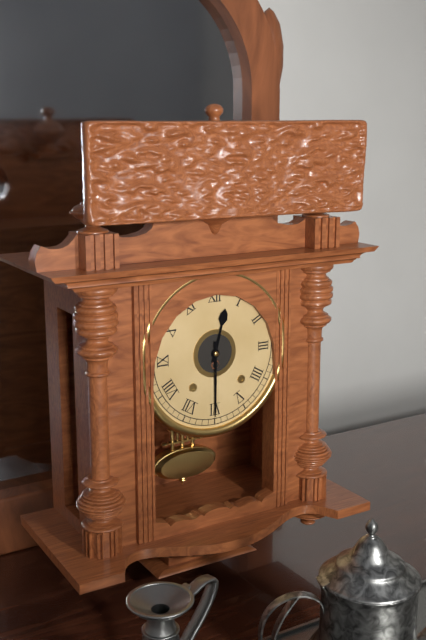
12:30
